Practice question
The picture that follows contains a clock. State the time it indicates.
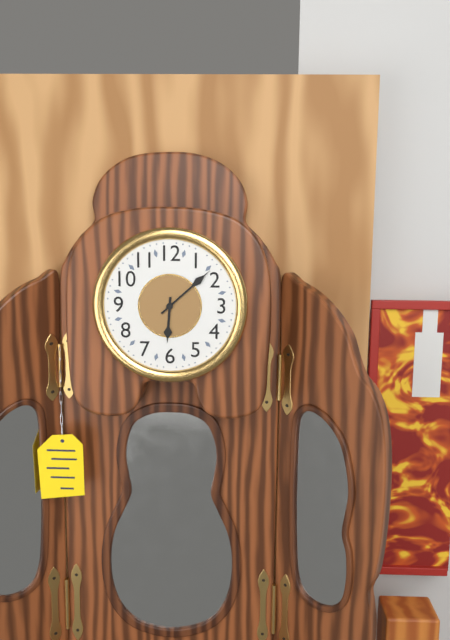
6:08
